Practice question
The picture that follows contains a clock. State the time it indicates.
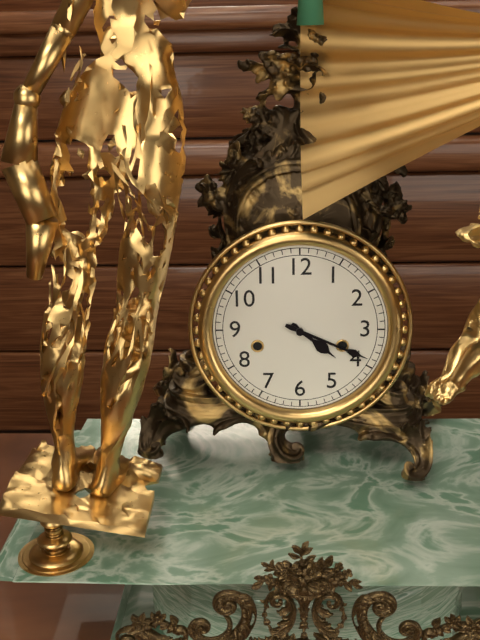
4:19
